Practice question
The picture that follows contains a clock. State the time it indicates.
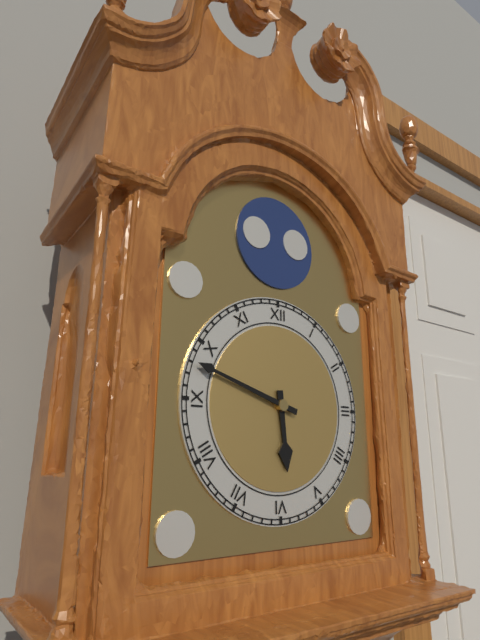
5:48
